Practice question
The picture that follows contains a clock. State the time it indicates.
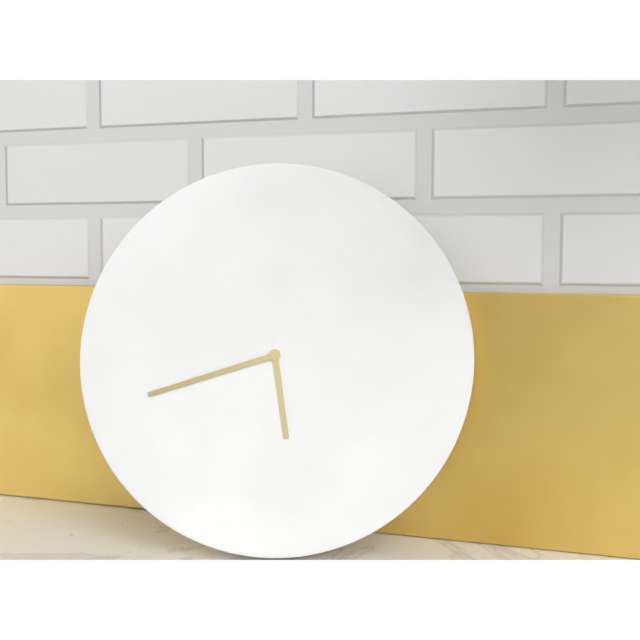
5:42
